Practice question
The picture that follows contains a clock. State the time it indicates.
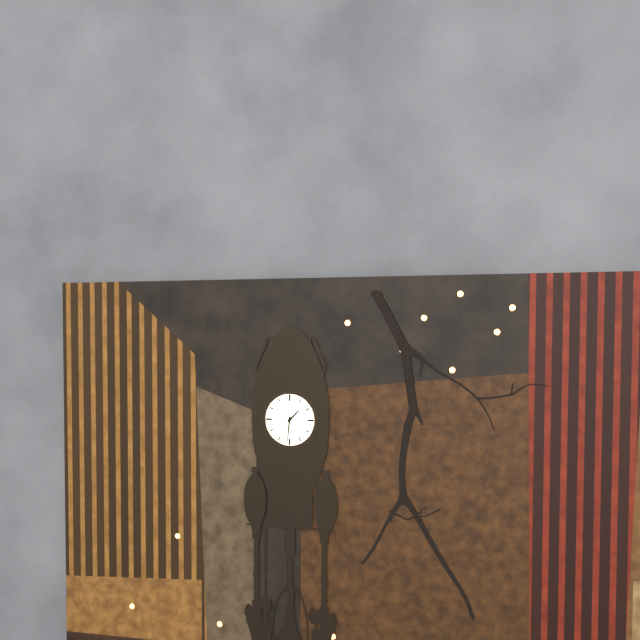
1:31
